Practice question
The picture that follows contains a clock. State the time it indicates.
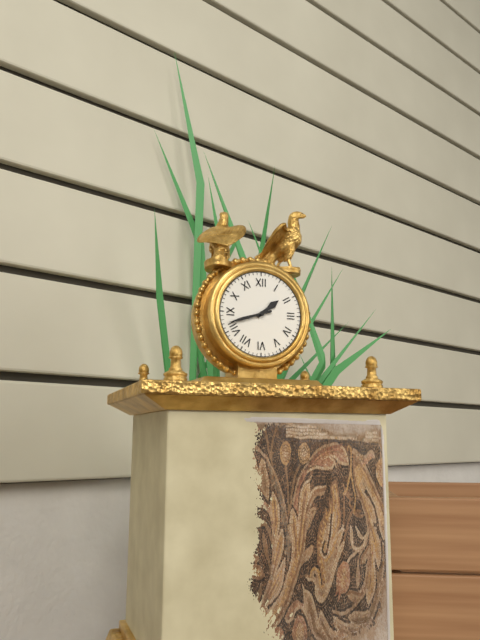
1:42
